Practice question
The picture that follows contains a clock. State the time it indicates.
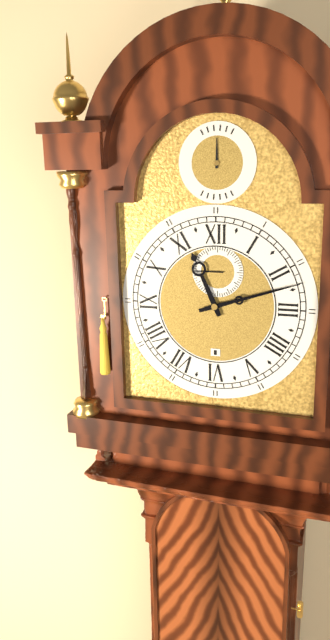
11:12
